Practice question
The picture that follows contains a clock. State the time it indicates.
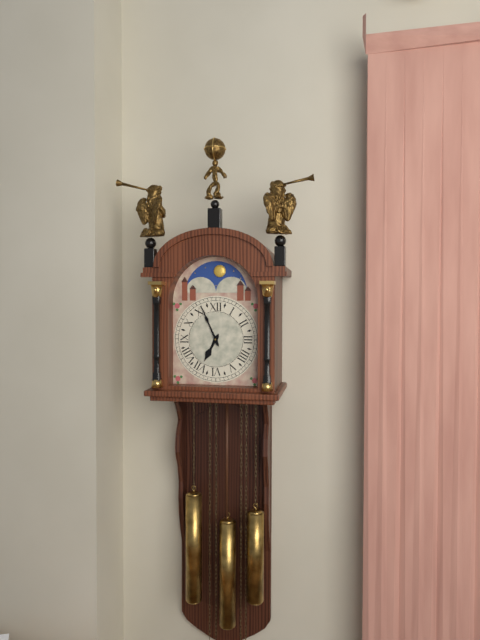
6:56
